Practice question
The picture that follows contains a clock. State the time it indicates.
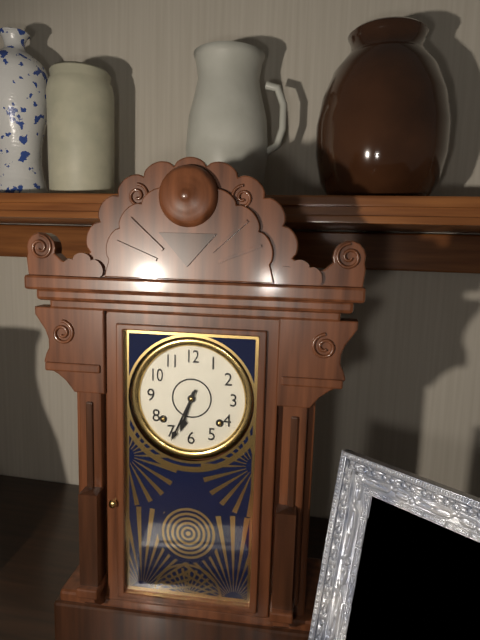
6:34
